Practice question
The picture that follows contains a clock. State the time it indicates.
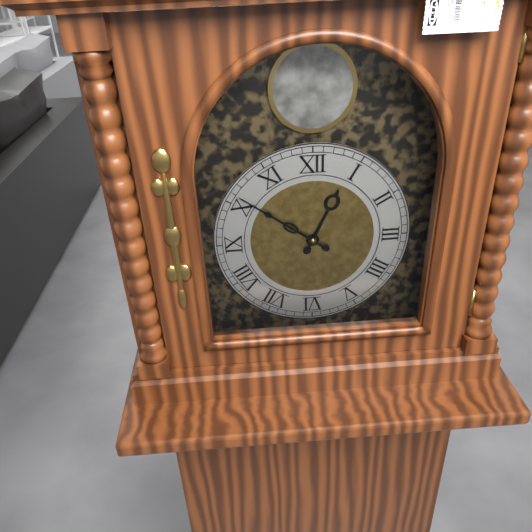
12:51
